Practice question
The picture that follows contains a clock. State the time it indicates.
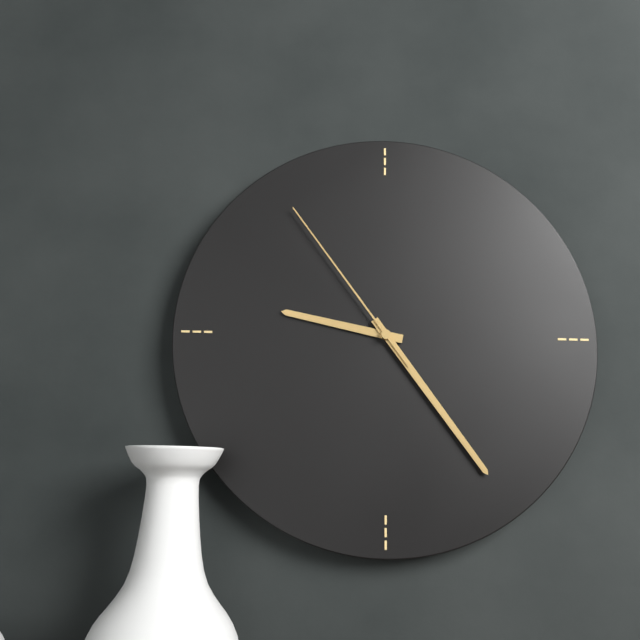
9:24:54
